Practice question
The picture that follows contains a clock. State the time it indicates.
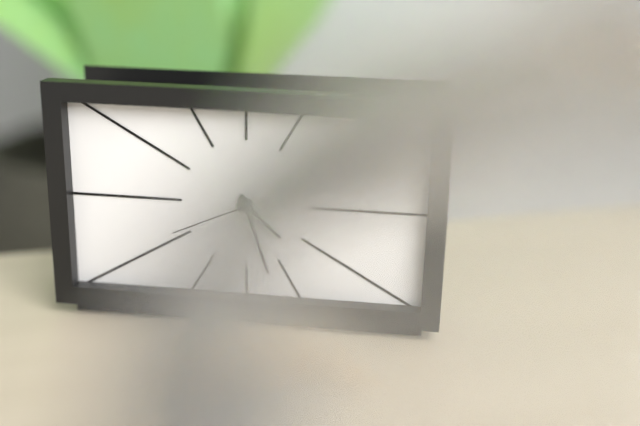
4:27:41
